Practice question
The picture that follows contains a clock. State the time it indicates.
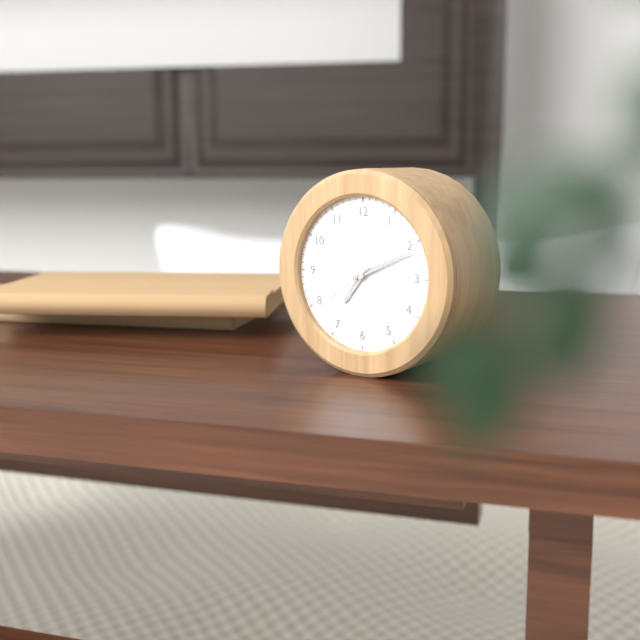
7:11:39
